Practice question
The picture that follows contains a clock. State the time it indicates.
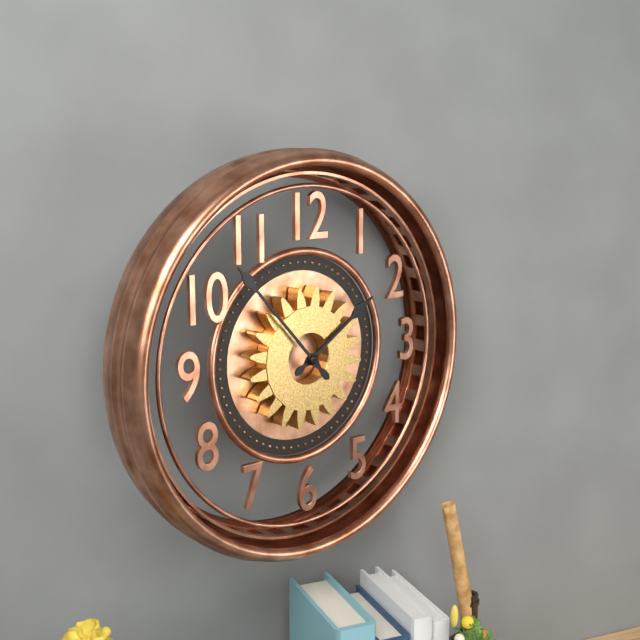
1:53
